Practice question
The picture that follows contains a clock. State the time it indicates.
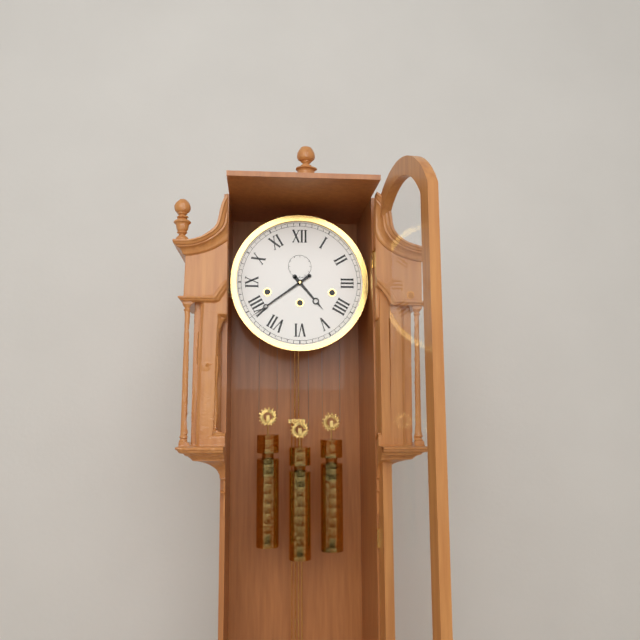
4:39
